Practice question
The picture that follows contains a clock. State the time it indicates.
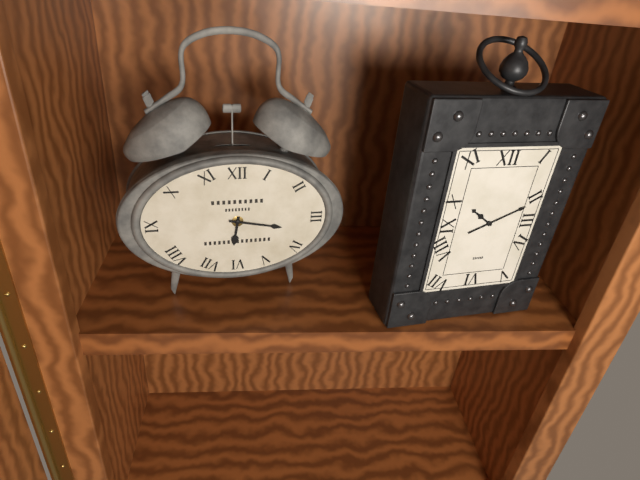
6:17
